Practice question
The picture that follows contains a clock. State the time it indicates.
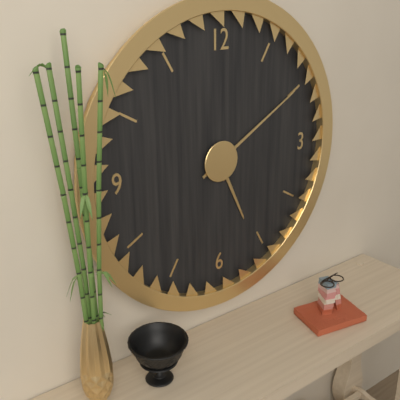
5:10
